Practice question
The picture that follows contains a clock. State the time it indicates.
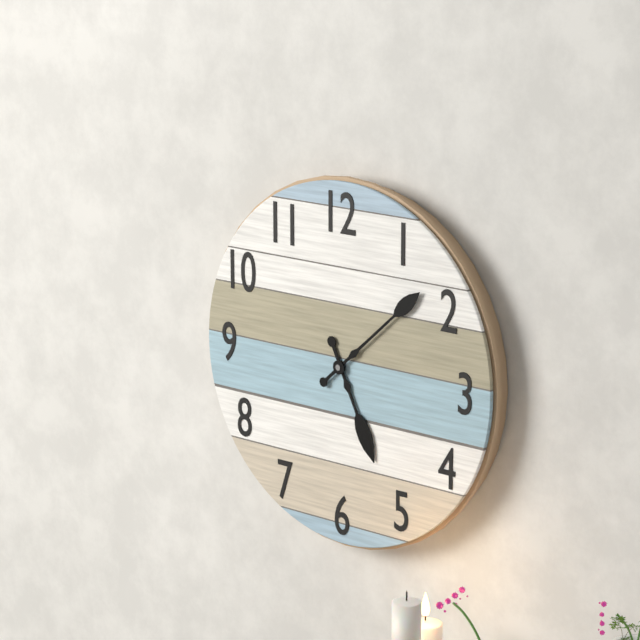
5:08
